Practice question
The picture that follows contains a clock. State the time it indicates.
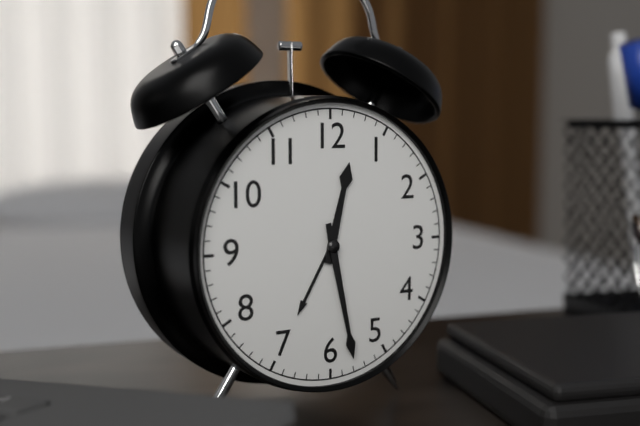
12:28
